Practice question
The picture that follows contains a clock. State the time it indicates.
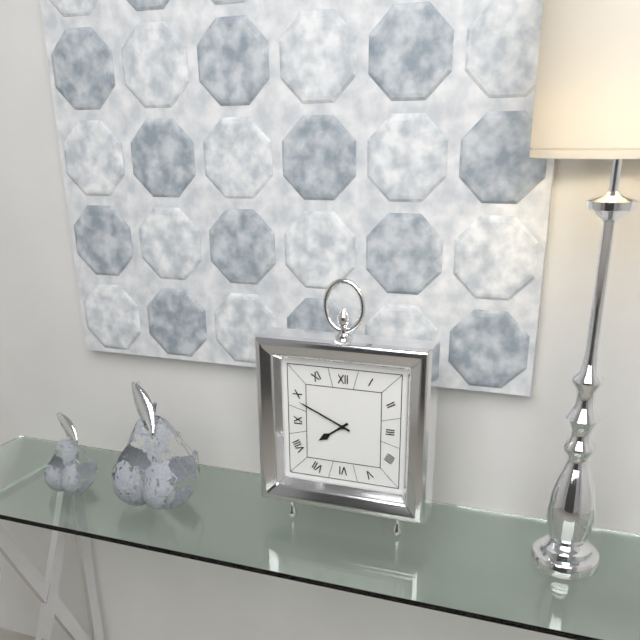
7:49
